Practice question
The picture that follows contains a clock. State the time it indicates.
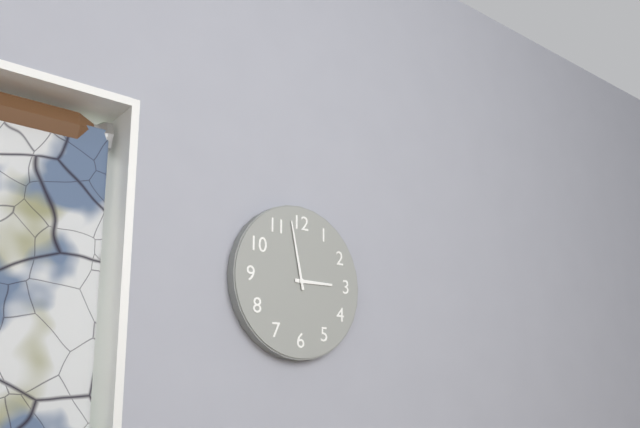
2:58
